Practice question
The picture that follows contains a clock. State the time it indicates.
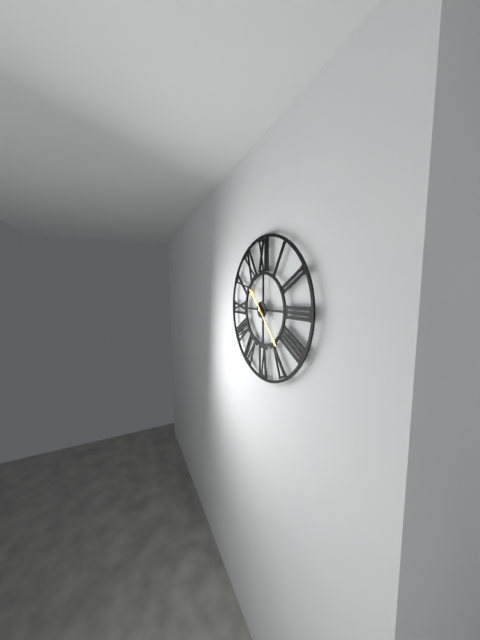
10:23
